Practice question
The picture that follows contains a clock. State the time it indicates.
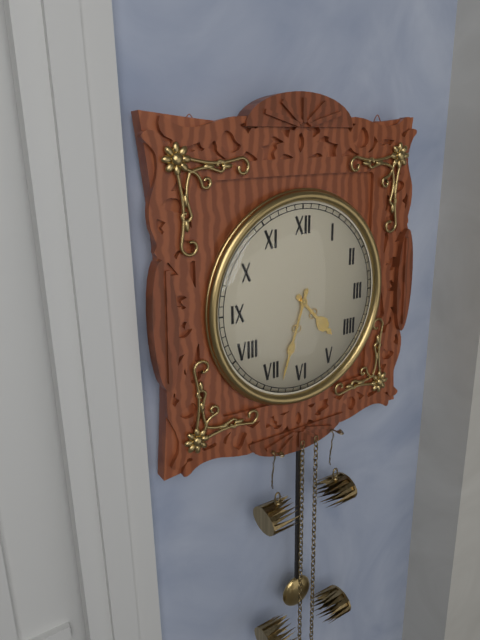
4:33
